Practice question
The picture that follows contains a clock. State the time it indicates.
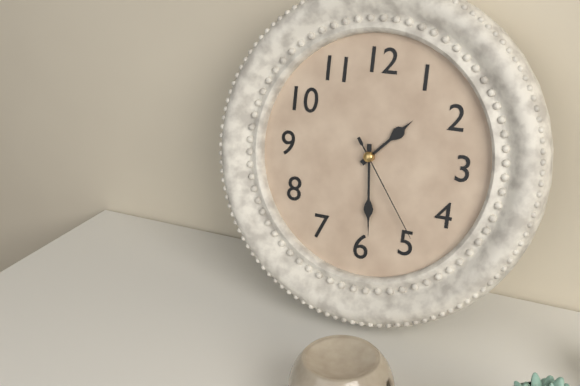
1:29:24
